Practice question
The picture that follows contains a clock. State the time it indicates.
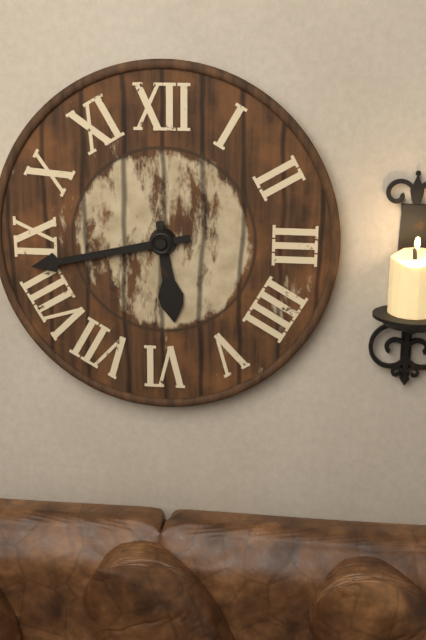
5:43
